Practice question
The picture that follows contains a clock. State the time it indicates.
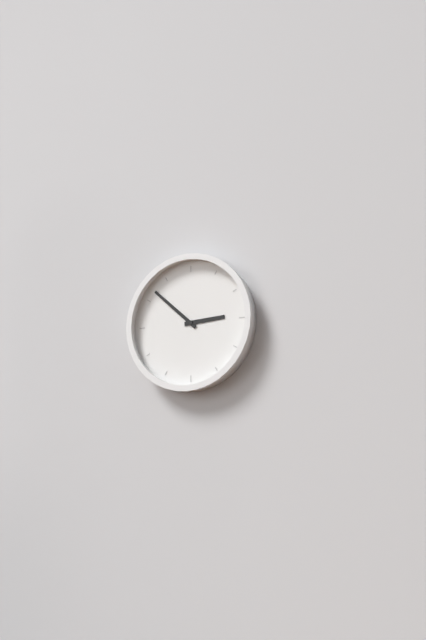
2:52
